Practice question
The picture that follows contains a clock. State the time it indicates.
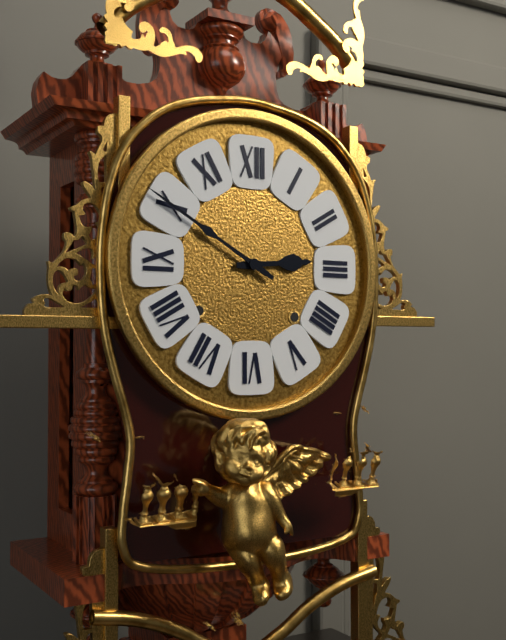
2:50
